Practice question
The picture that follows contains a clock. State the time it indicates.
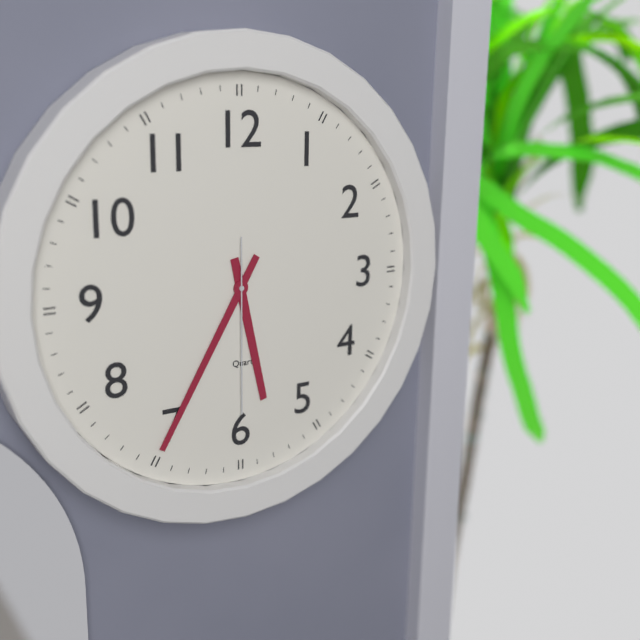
5:35:30
